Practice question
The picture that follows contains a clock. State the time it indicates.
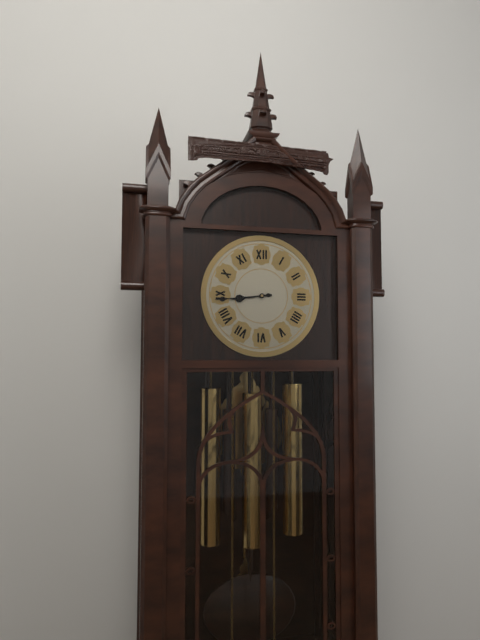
8:44
